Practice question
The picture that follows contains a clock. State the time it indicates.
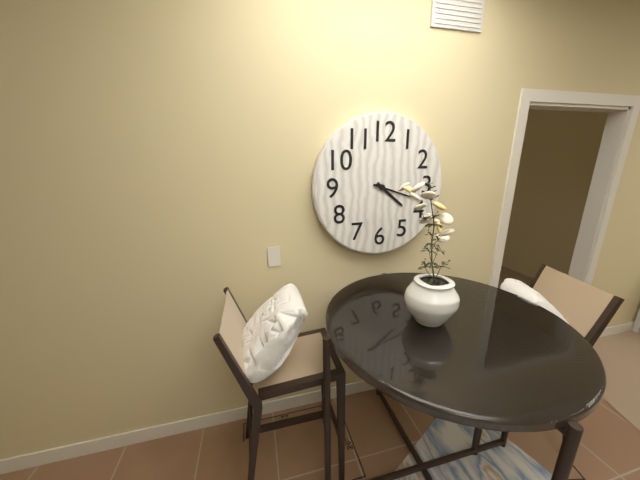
4:18
